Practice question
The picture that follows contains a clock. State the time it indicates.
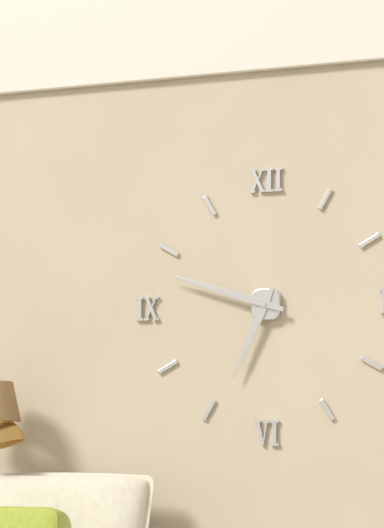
6:48
